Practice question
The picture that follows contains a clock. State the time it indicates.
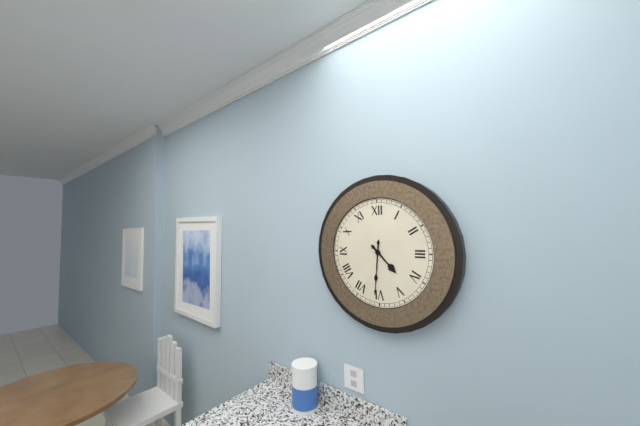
4:31
